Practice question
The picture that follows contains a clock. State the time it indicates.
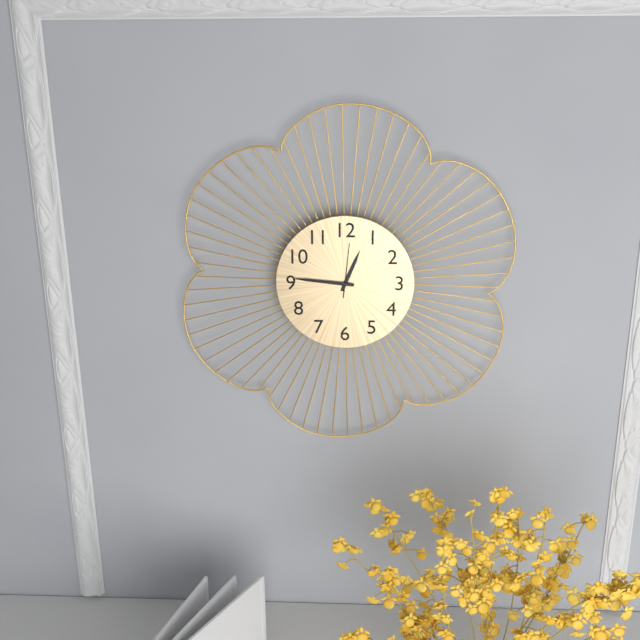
12:46:01
